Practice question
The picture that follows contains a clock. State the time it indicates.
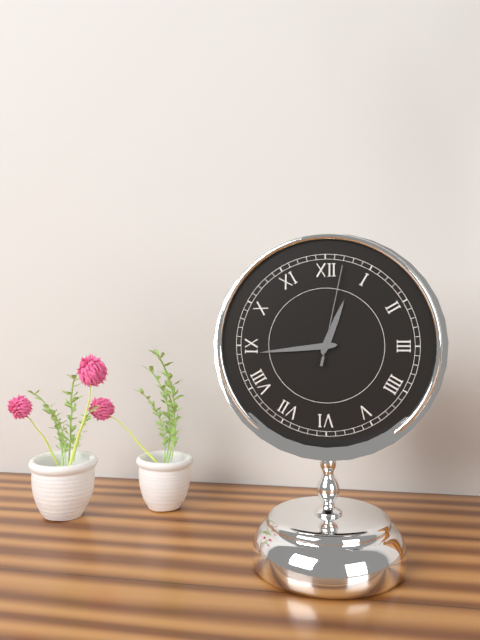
12:44:02
